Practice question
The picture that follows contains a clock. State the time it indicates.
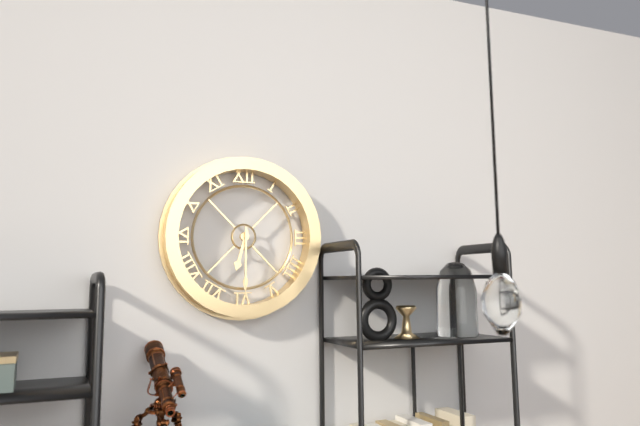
6:30
